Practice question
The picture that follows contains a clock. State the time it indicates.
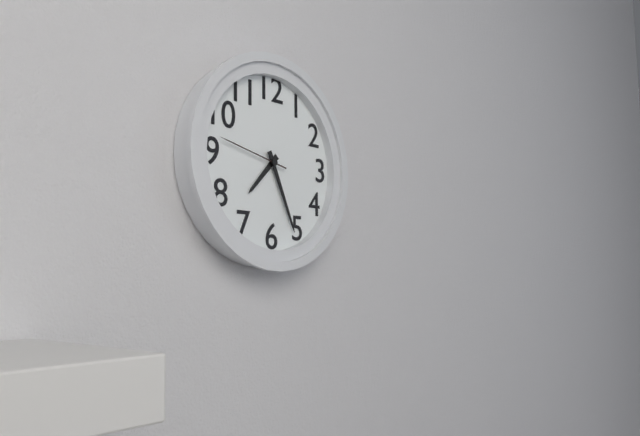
7:26:47
